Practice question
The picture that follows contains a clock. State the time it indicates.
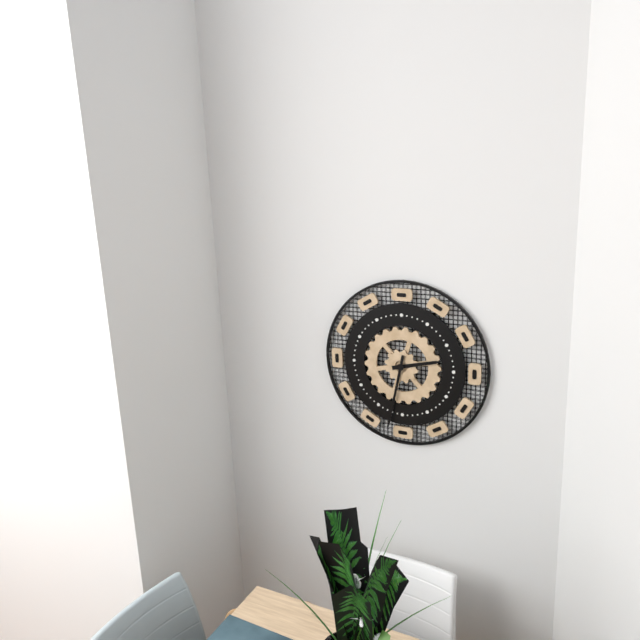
2:32
